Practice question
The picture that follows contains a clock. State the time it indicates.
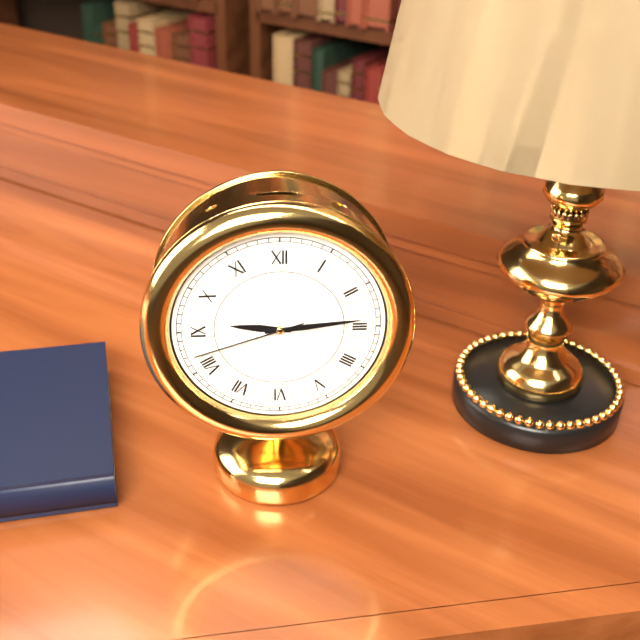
9:14:42
